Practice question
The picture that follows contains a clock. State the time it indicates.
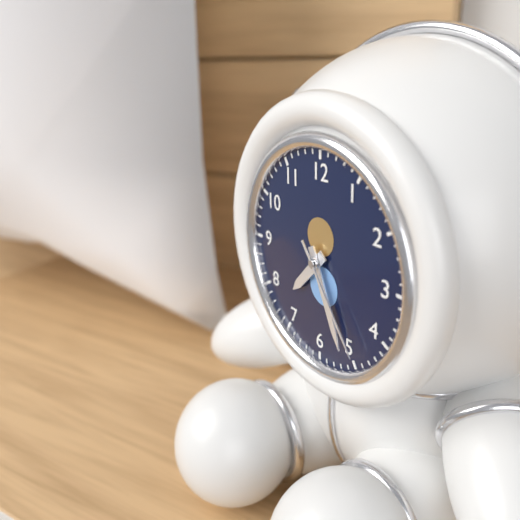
7:26:24
